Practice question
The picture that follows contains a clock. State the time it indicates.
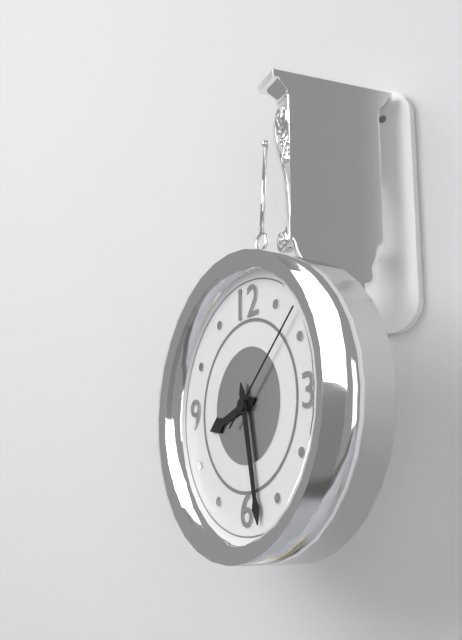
8:28:08
